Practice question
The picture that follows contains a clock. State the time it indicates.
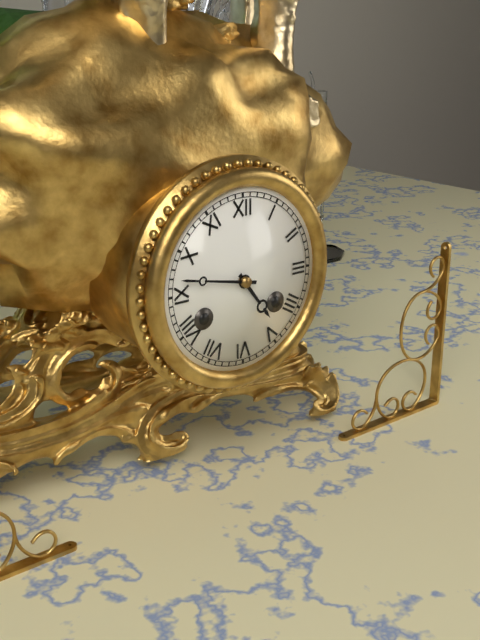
4:47
